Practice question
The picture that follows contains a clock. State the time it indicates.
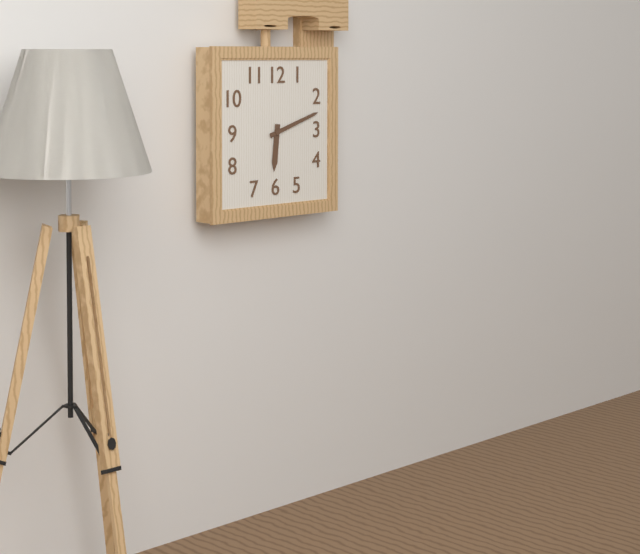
6:12
